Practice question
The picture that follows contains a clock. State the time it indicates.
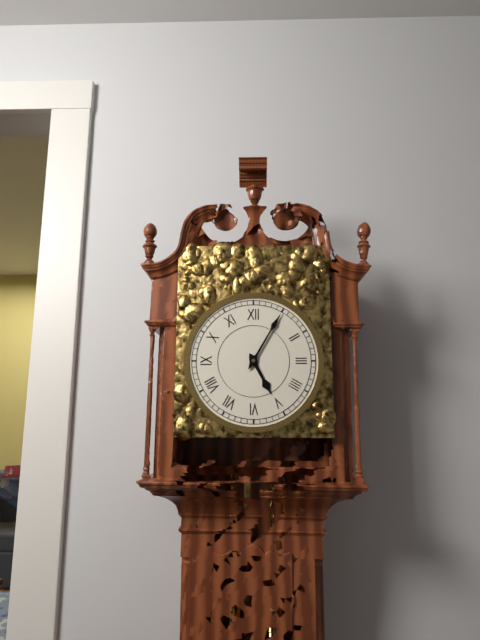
5:05
